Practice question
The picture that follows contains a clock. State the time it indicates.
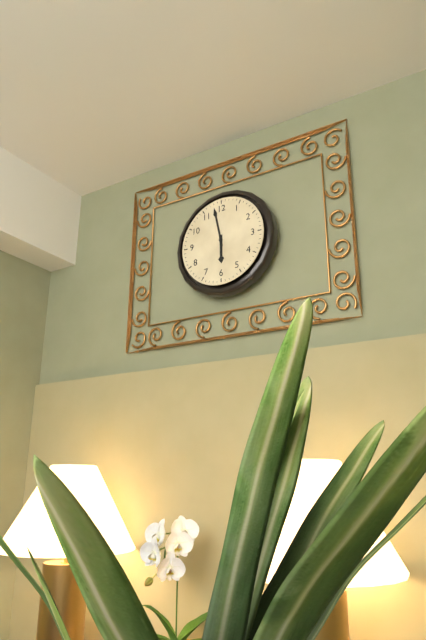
5:58
